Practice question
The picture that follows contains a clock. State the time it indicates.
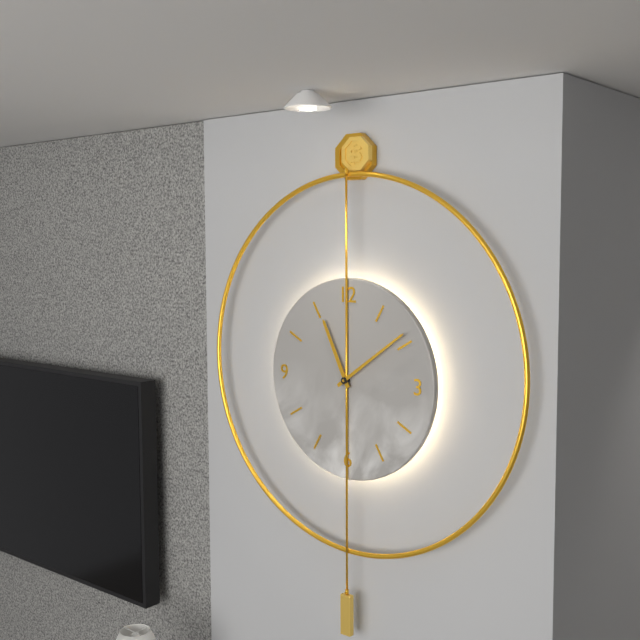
11:09
